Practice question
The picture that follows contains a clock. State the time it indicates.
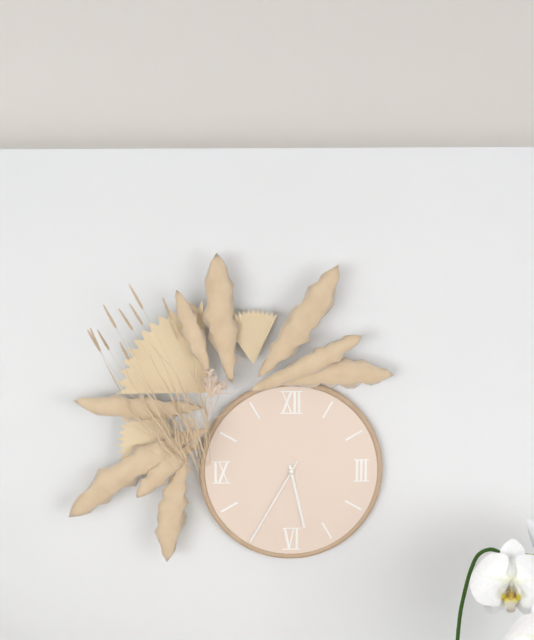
5:35
